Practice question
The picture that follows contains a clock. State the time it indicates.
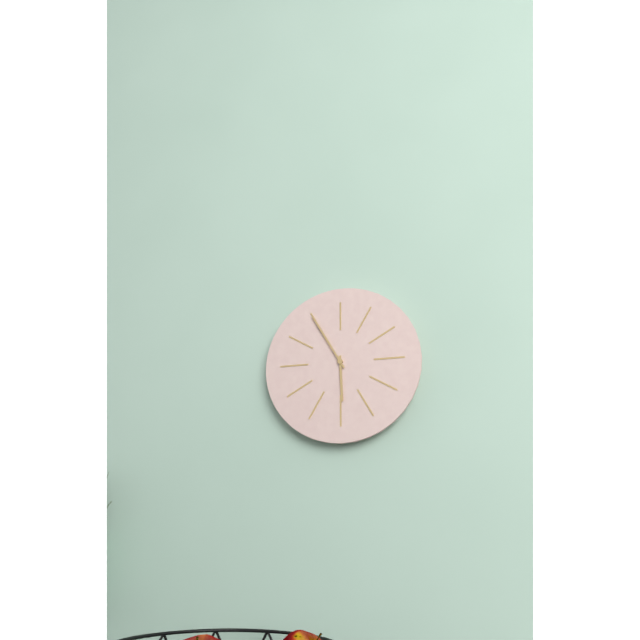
5:55
